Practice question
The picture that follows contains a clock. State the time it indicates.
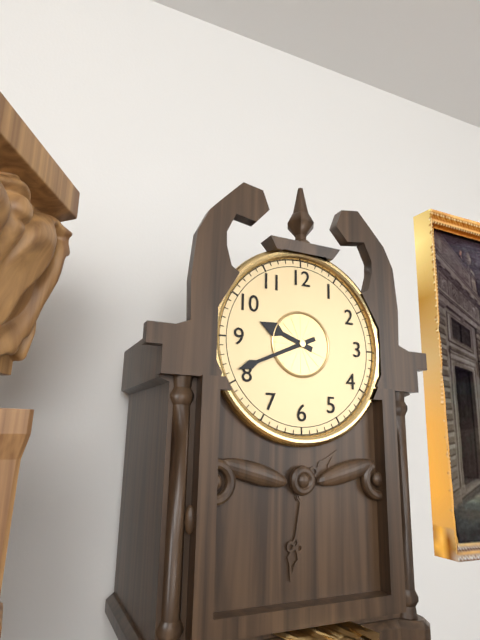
9:41
